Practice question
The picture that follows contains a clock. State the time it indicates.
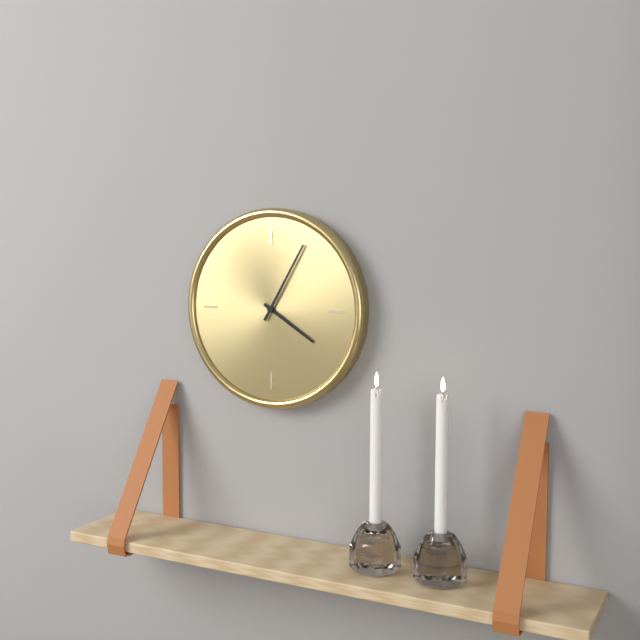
4:05
